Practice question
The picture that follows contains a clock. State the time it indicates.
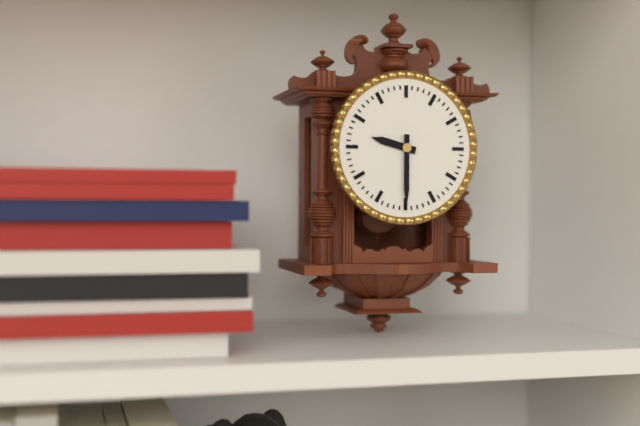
9:30
